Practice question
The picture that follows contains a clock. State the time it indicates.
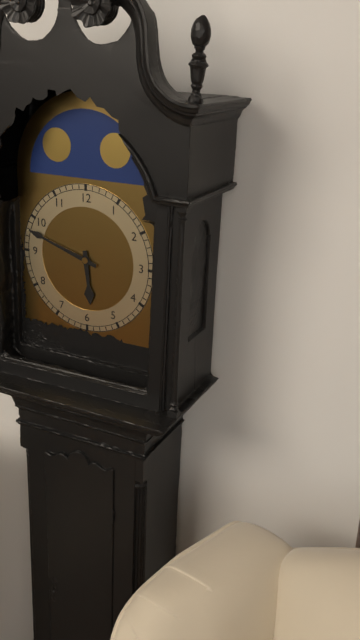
5:48
